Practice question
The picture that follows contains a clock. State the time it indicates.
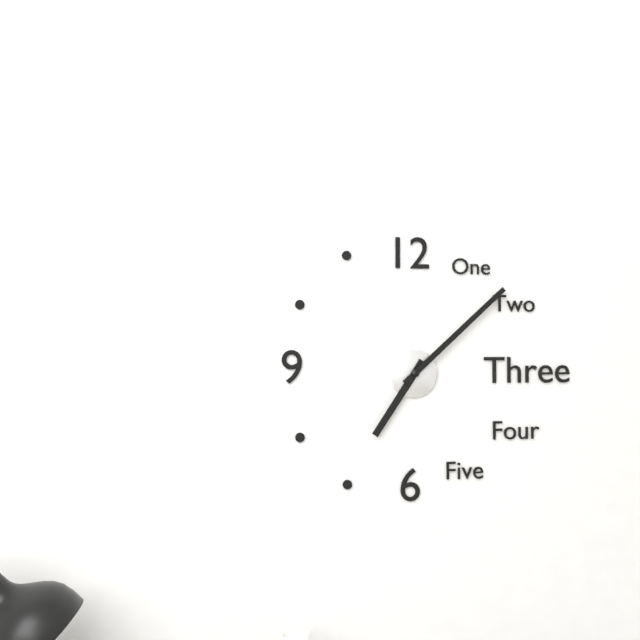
7:08
